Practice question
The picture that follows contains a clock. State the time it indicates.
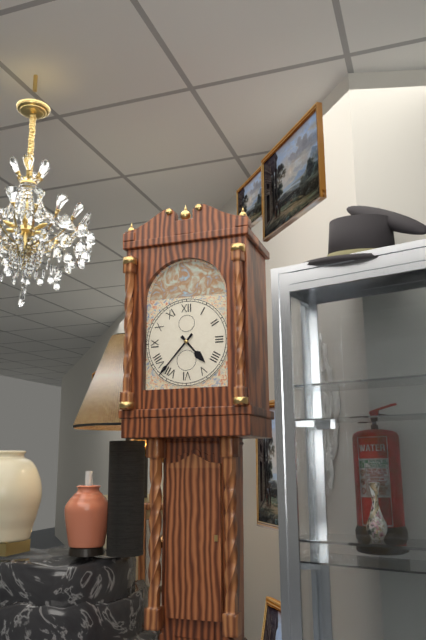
4:37
